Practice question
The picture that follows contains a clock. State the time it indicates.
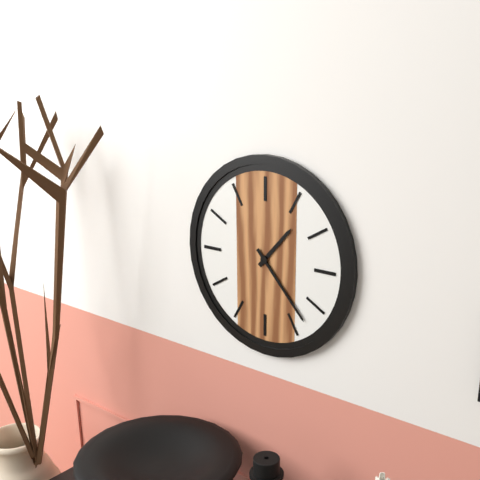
1:23
